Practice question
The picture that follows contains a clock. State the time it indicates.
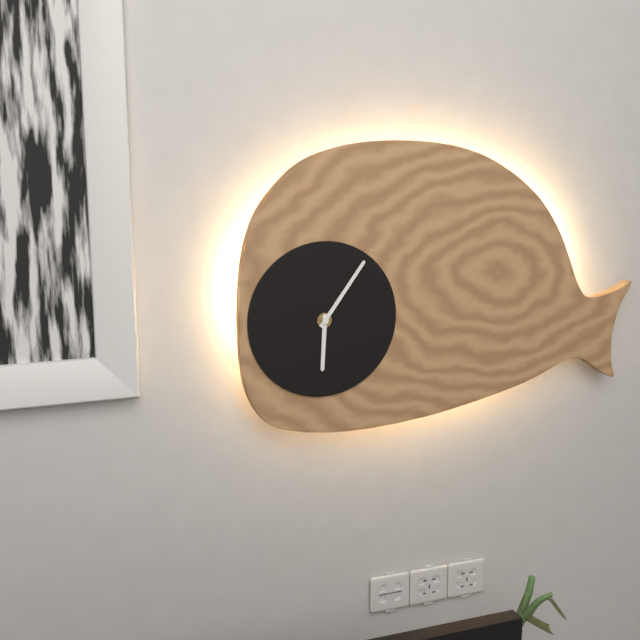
6:06
